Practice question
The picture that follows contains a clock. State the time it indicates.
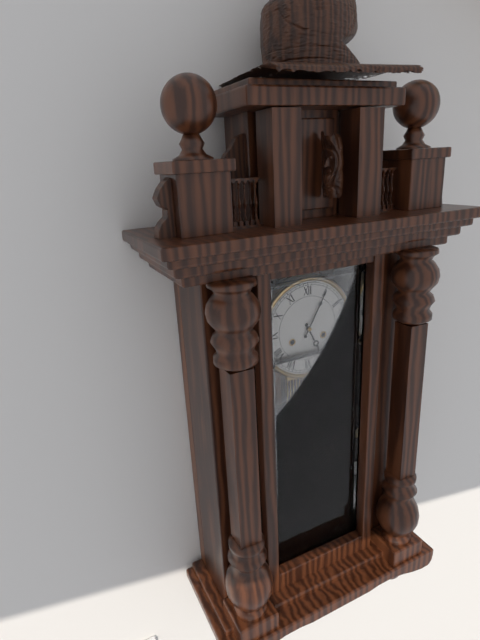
5:05
